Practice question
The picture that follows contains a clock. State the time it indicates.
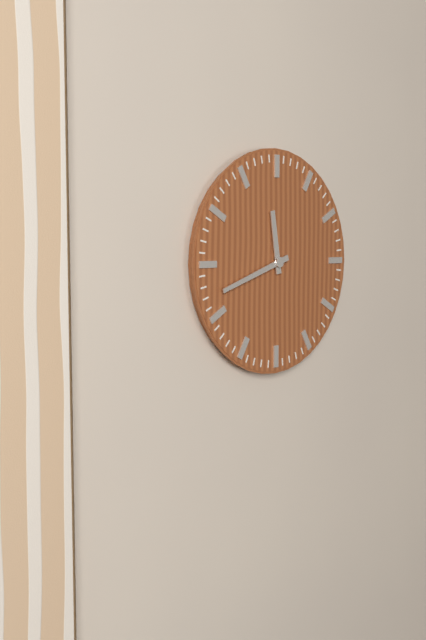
11:42
